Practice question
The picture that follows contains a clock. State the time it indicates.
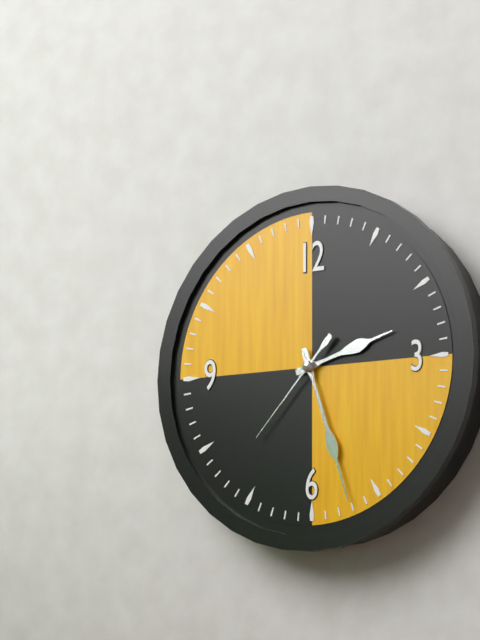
2:27:37
